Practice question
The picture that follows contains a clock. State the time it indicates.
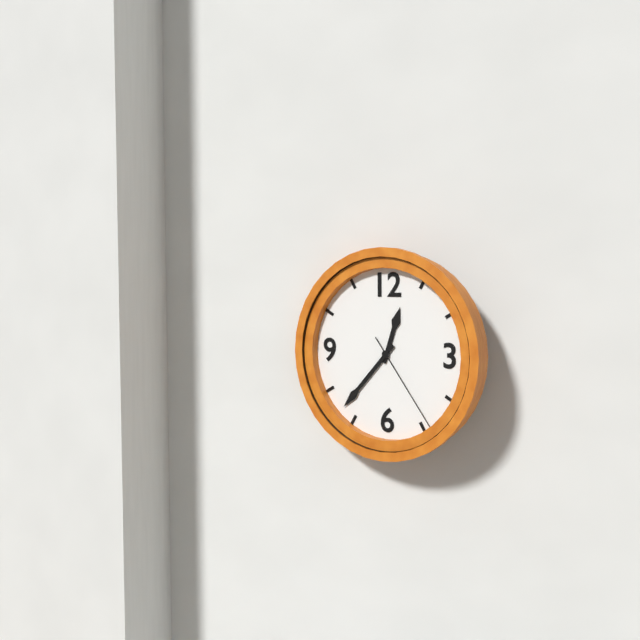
12:37:24
